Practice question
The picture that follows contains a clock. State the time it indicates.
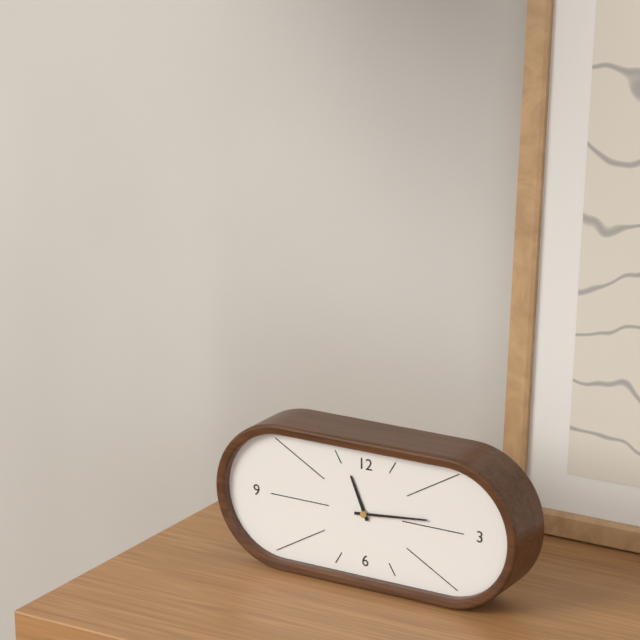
11:14
